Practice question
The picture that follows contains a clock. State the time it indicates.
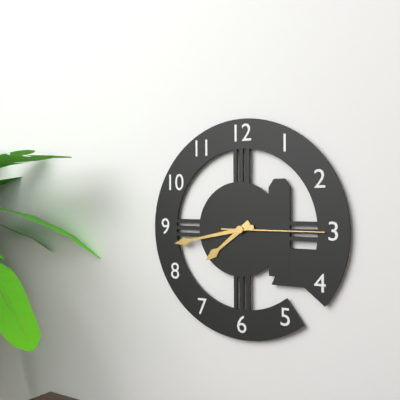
7:43:15
